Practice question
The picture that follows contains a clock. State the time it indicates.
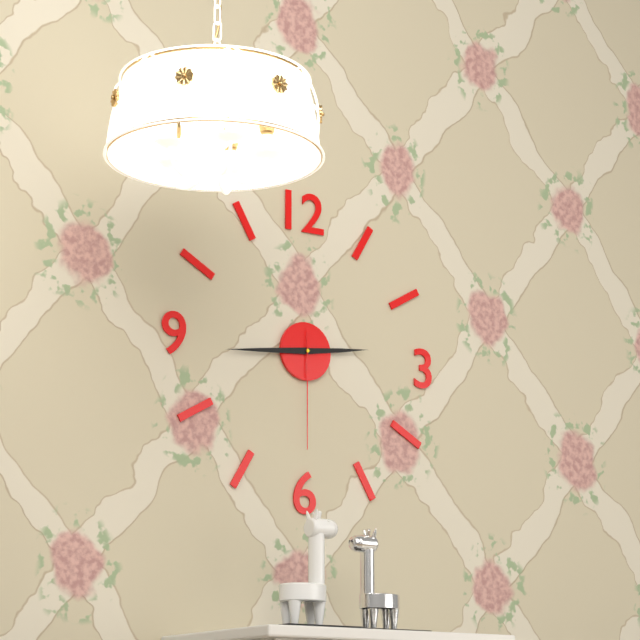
2:44:30
